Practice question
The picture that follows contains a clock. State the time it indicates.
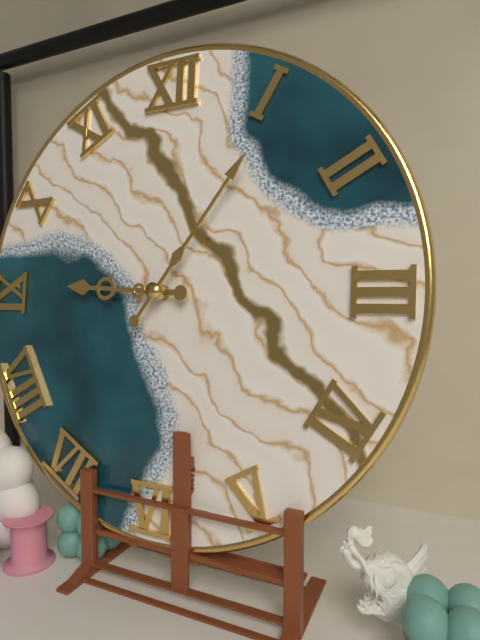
9:06
